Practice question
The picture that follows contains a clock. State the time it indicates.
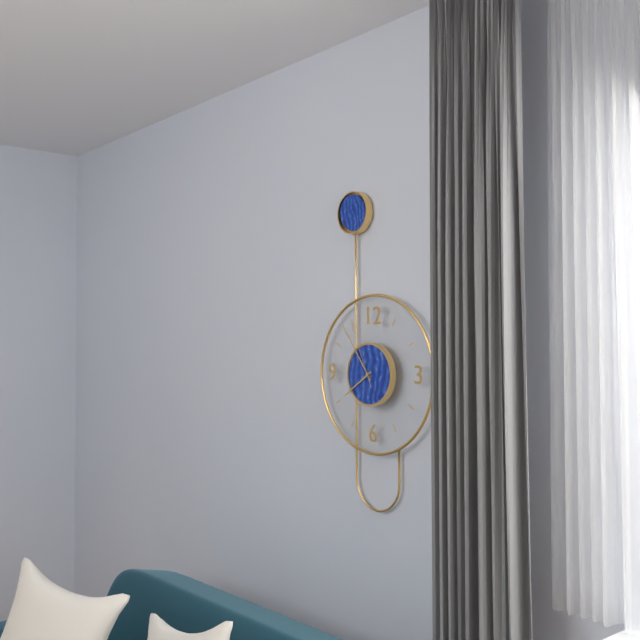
7:54:56
